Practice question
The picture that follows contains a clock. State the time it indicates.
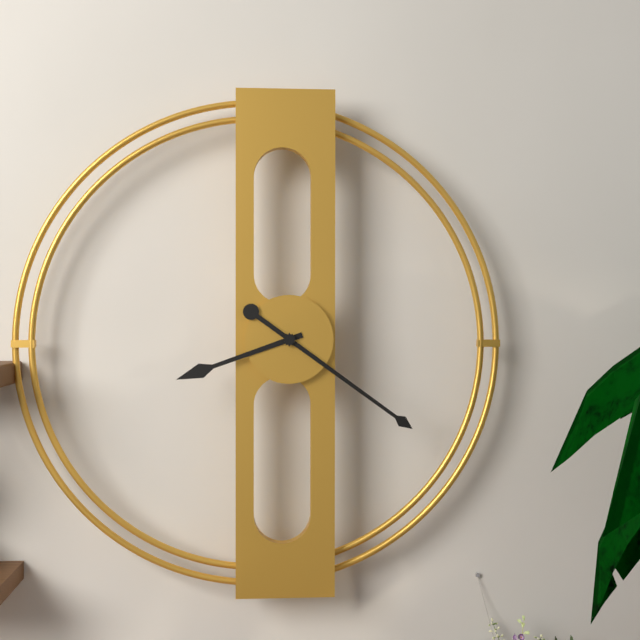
8:21
